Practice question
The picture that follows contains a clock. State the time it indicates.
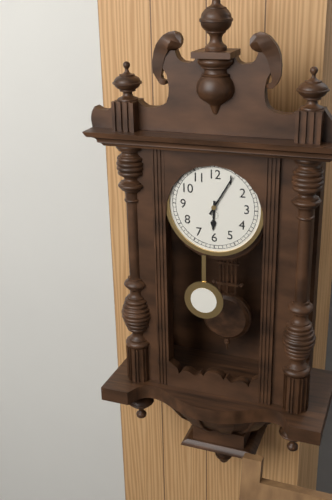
6:05
